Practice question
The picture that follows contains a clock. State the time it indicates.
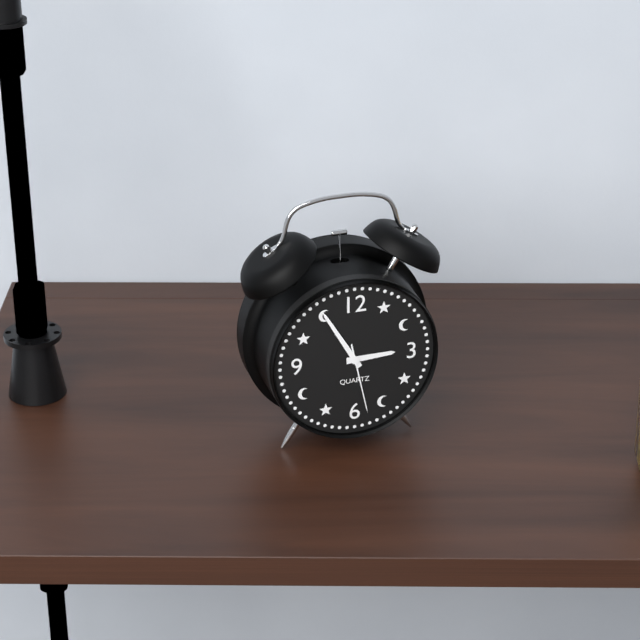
2:55:28
